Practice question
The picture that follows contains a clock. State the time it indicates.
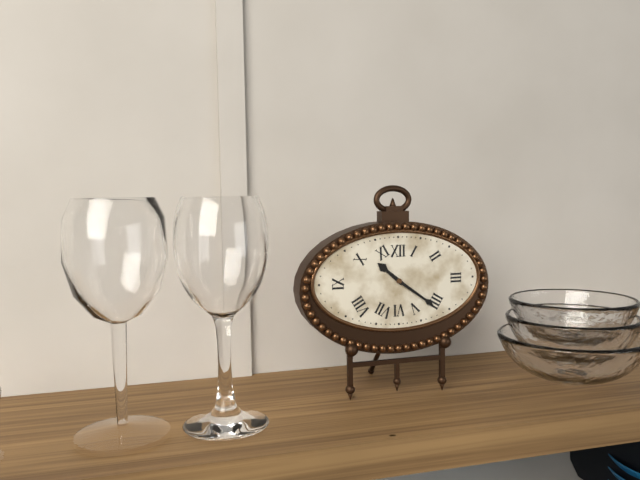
10:21
